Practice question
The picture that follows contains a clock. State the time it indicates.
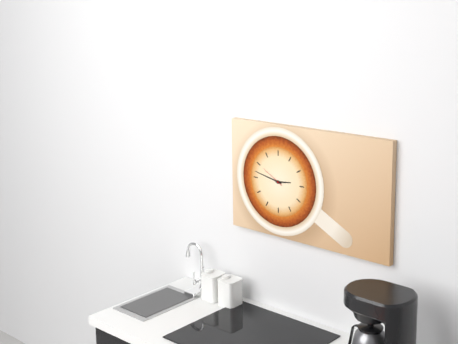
2:47
